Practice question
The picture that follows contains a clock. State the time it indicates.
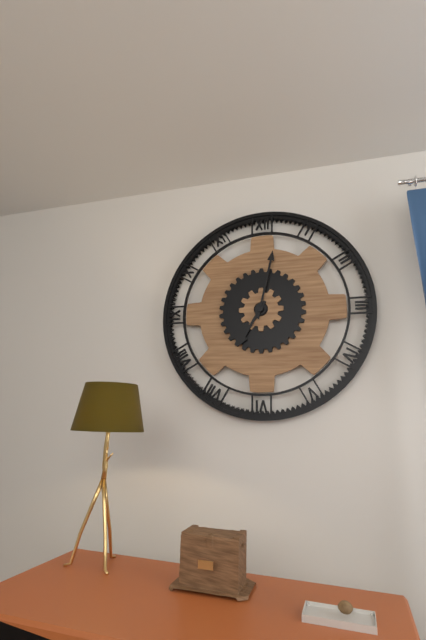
7:02
